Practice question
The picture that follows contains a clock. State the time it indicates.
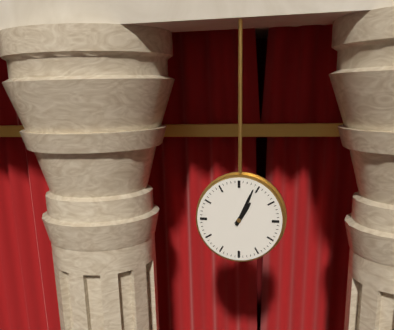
1:04
